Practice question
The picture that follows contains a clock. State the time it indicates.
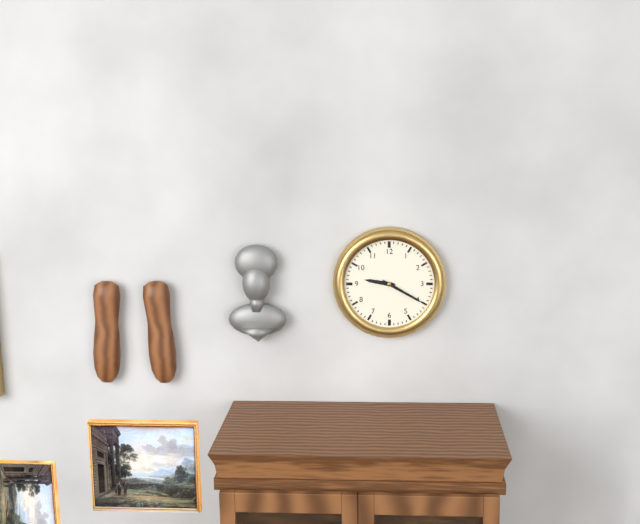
9:20
